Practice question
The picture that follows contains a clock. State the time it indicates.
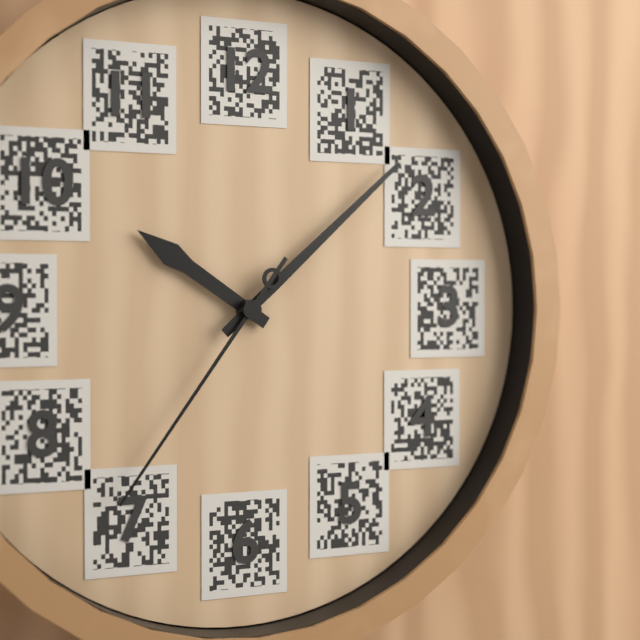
10:08:36
